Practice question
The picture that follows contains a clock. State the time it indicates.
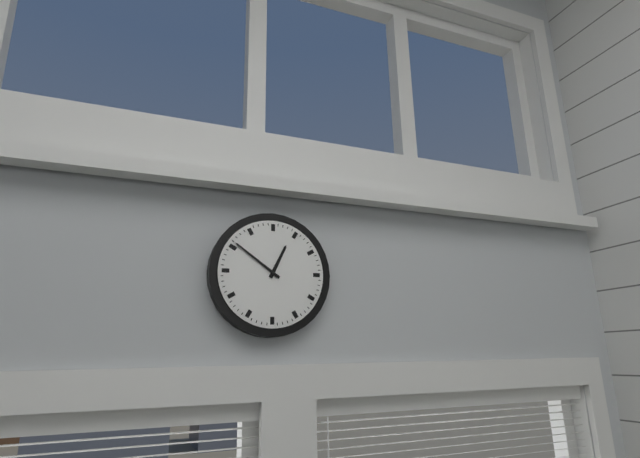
12:51
